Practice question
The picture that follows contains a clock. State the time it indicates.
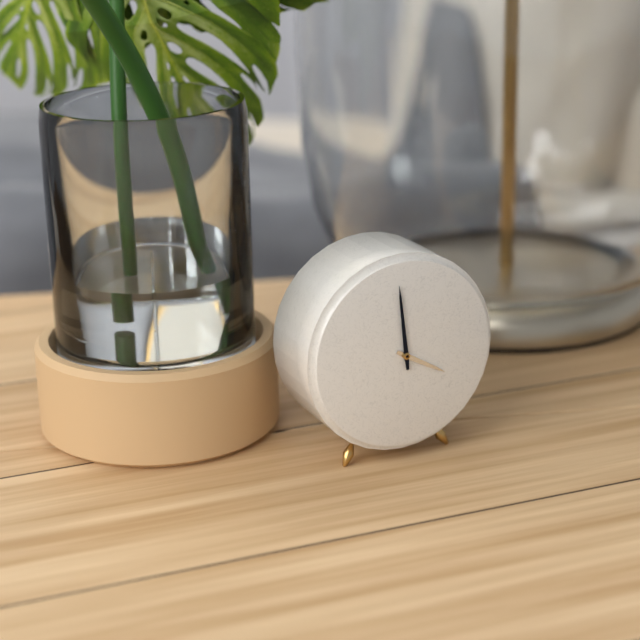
3:59
